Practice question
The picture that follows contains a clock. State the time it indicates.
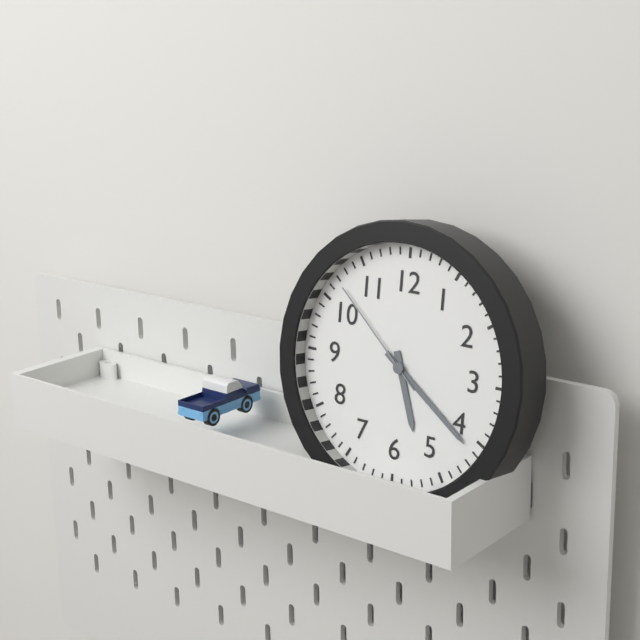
5:21:52
